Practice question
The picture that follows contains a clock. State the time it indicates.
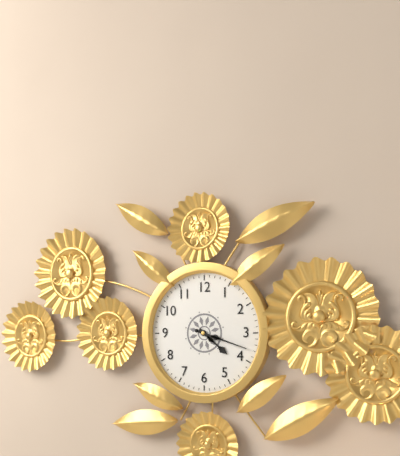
4:18
